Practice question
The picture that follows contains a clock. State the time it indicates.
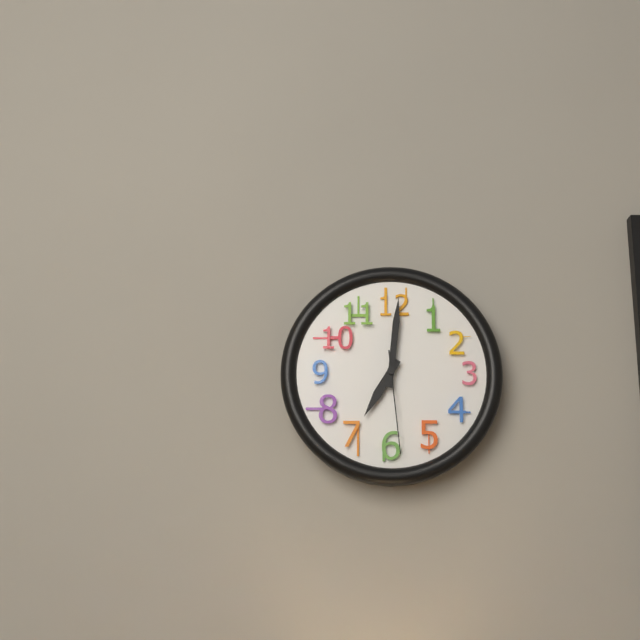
7:01:29
